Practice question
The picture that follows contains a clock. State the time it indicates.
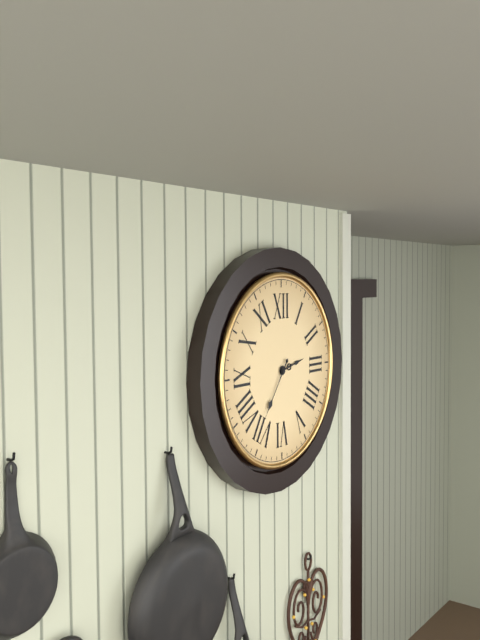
2:36
